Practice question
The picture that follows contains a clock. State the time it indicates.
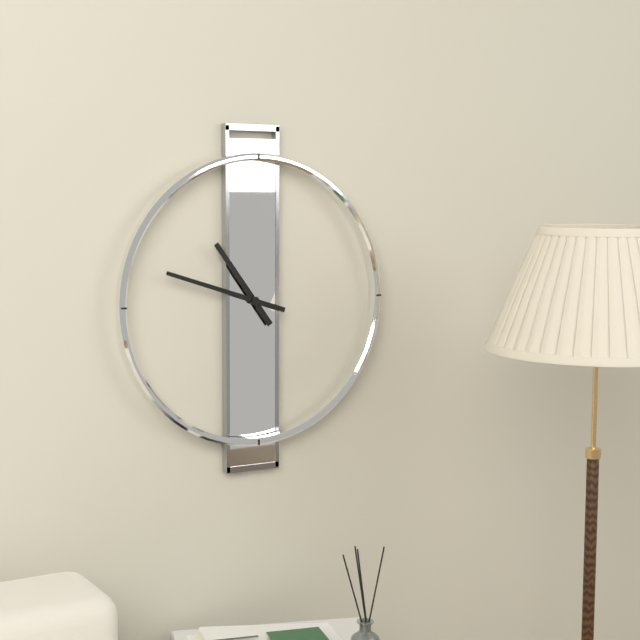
10:48
